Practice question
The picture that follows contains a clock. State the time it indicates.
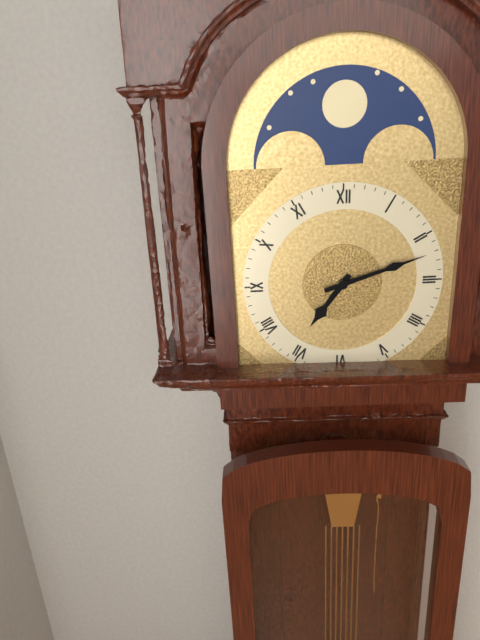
7:12
